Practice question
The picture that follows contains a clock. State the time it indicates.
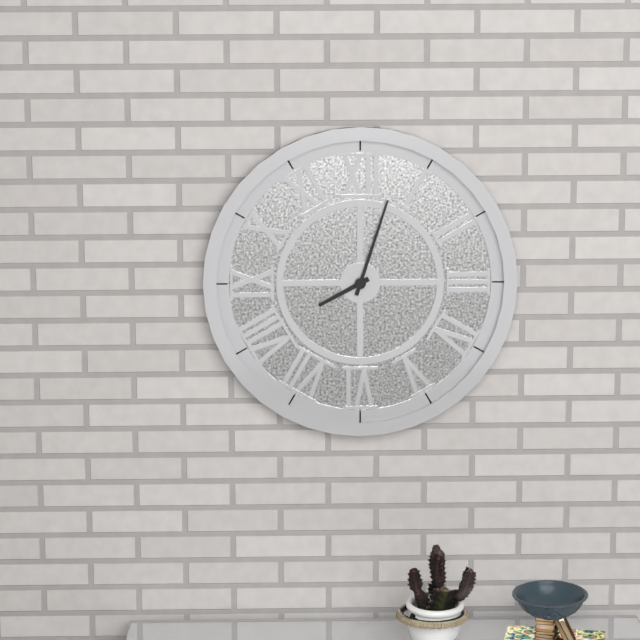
8:03
